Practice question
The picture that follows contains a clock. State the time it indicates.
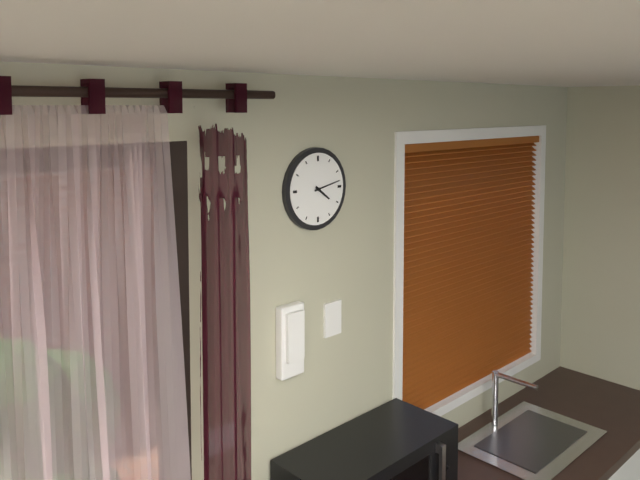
4:13
